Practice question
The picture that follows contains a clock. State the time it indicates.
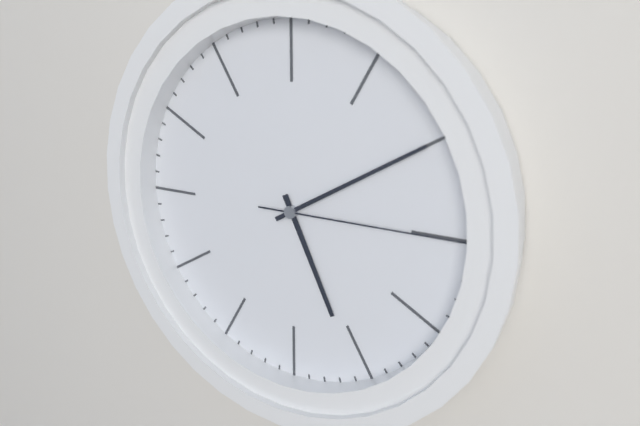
5:10:15
